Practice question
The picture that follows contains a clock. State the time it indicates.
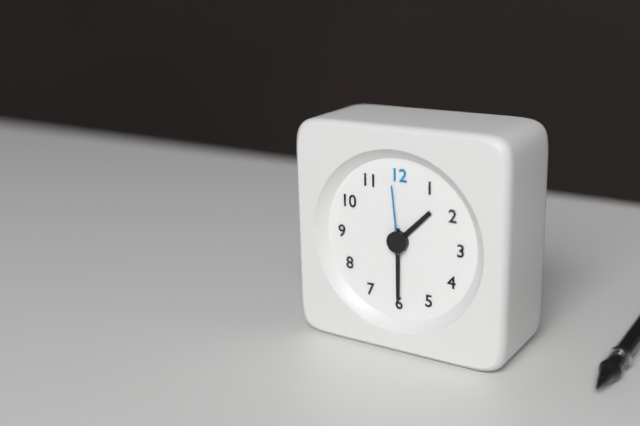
1:30:59
